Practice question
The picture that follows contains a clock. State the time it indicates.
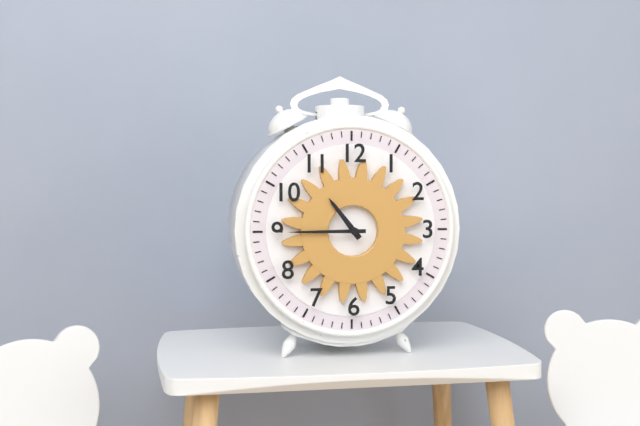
10:45
